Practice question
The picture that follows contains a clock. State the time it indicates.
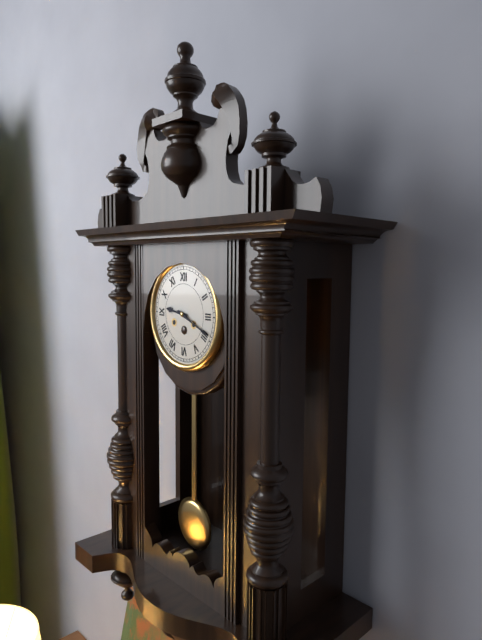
9:19
